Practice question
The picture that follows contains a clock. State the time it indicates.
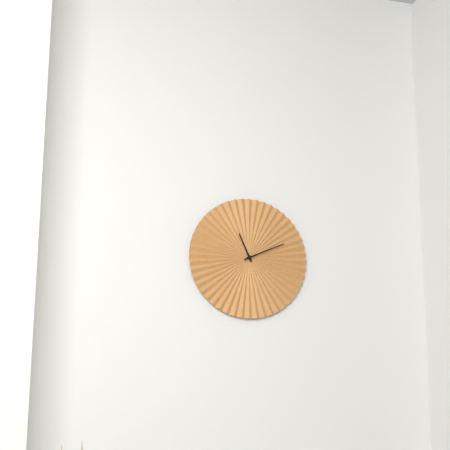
11:11
